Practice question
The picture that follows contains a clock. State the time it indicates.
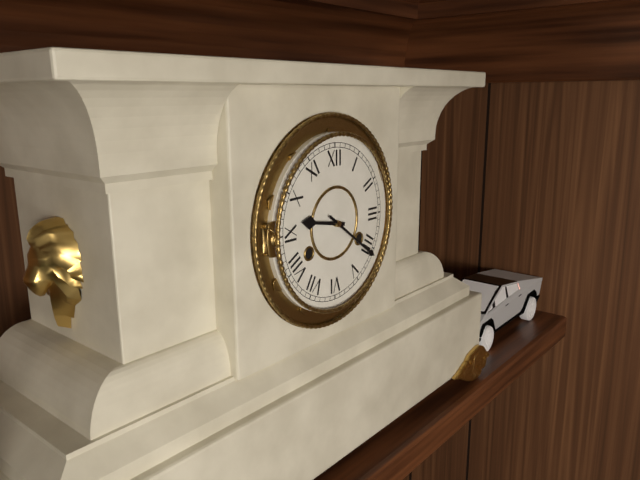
9:21
